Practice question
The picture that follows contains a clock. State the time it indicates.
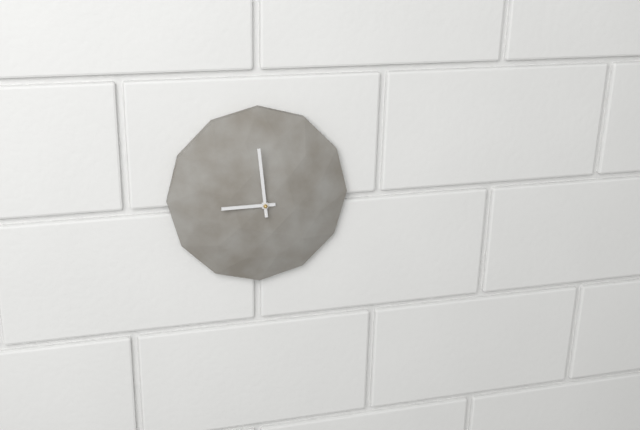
8:59
